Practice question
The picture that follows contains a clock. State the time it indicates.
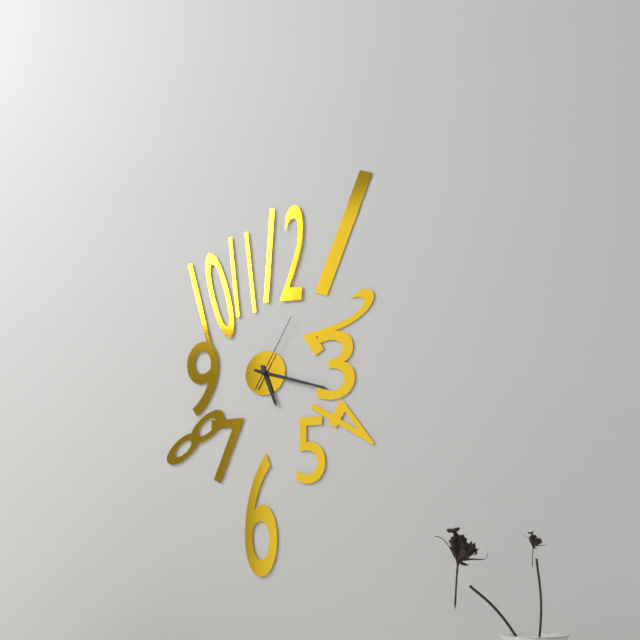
5:18:05
